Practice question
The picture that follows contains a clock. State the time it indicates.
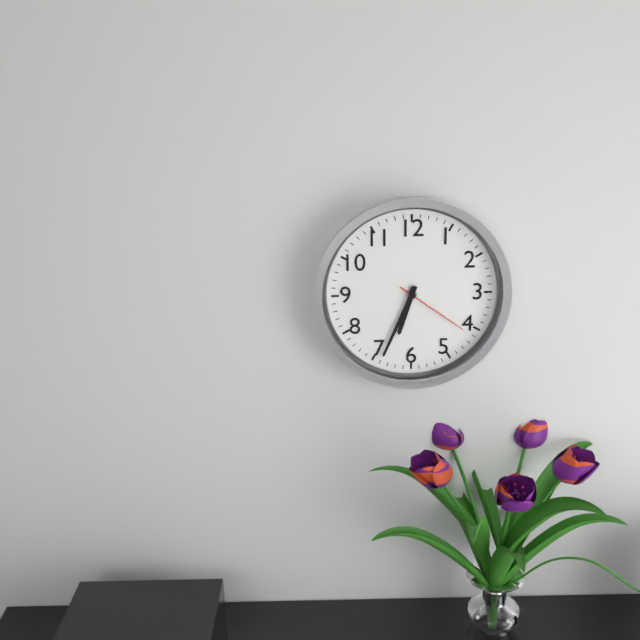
6:34:21
